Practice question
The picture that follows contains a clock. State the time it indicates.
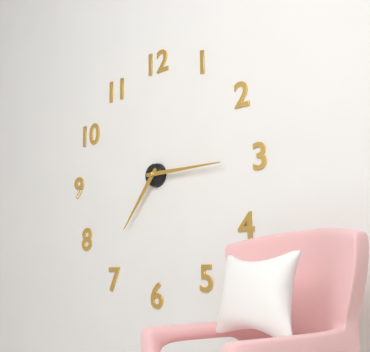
7:15
